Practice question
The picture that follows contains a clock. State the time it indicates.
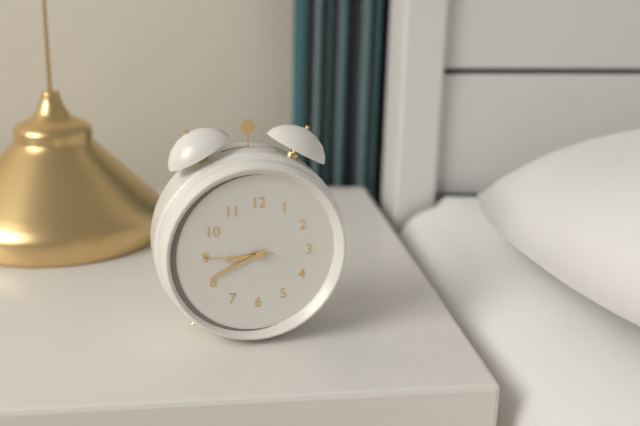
8:41:45
